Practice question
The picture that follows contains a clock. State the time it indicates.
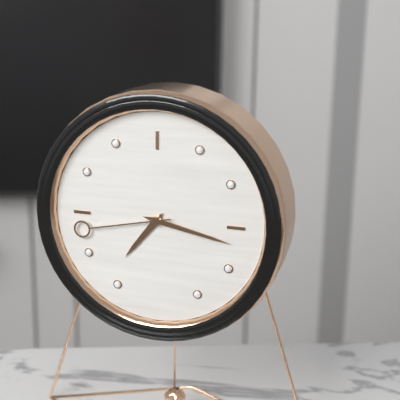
7:17:43
